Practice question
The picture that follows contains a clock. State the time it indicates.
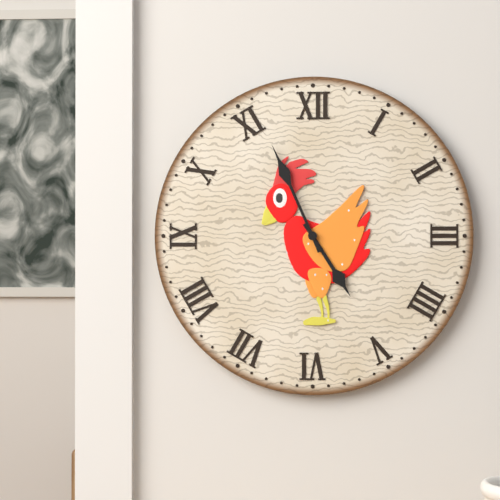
4:56
